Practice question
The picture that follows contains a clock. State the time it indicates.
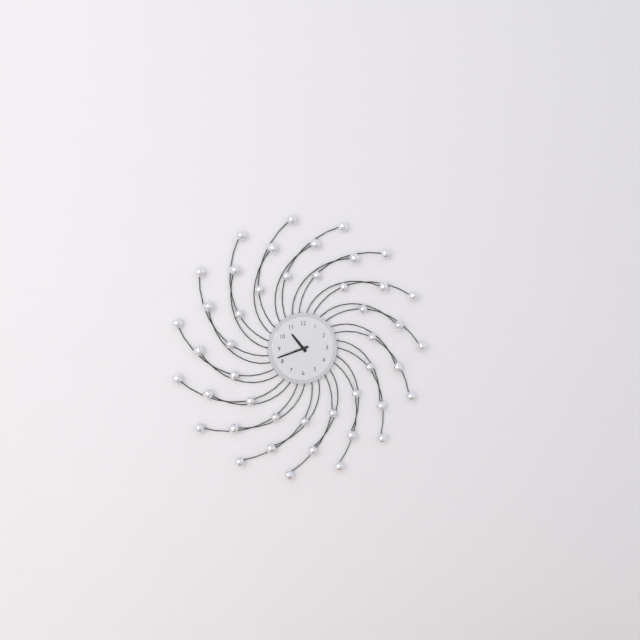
10:42
